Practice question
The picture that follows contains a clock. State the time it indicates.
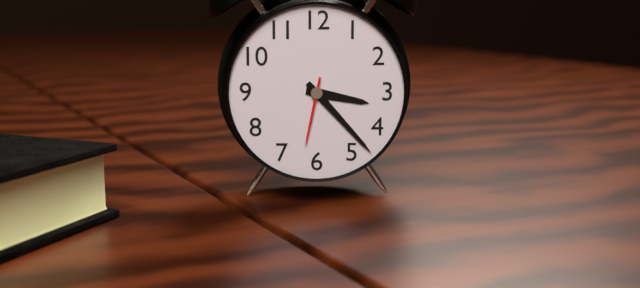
3:23:32
